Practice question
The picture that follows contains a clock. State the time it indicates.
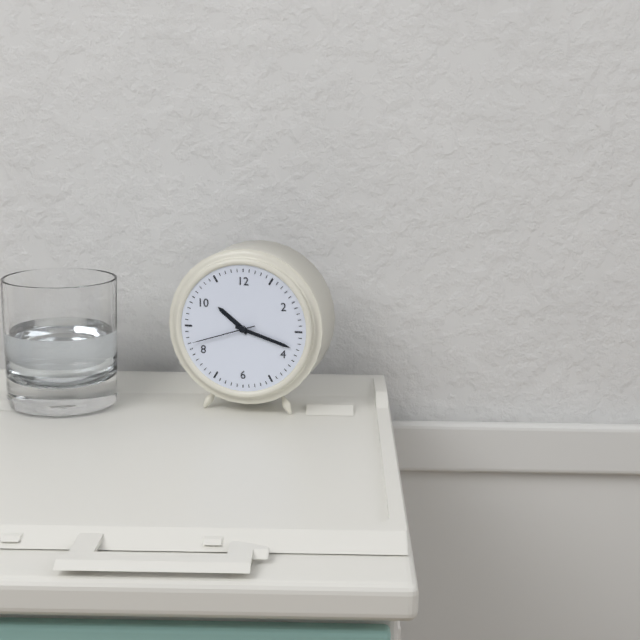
10:18:42
